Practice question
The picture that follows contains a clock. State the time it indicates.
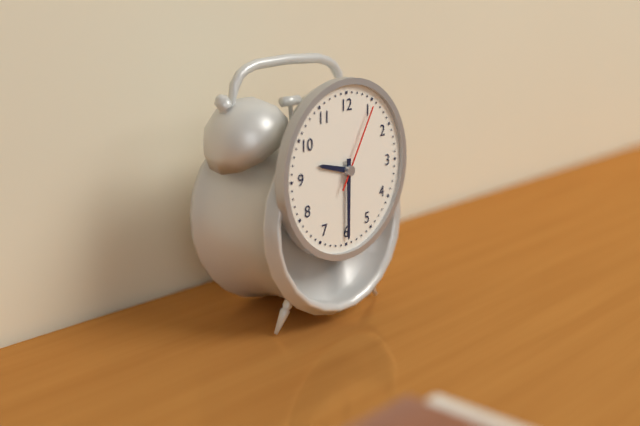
9:30:05
